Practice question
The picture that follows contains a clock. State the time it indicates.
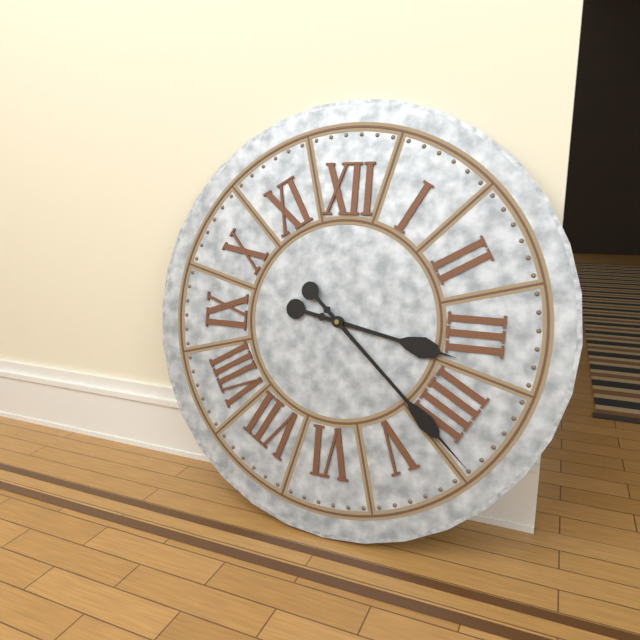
3:22
